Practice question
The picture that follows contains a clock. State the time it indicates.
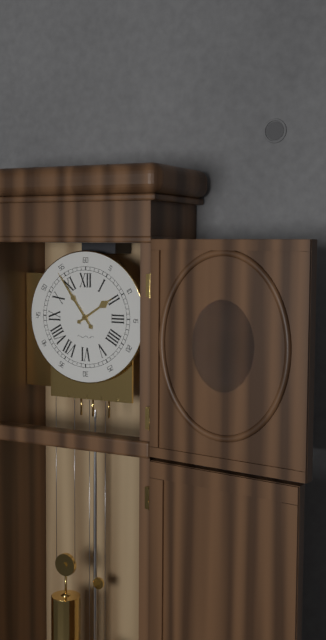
1:54
